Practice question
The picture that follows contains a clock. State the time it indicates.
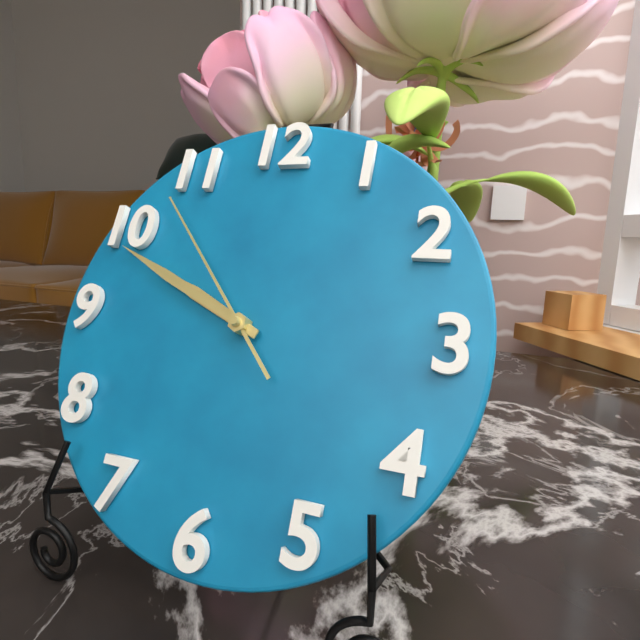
9:49:53
